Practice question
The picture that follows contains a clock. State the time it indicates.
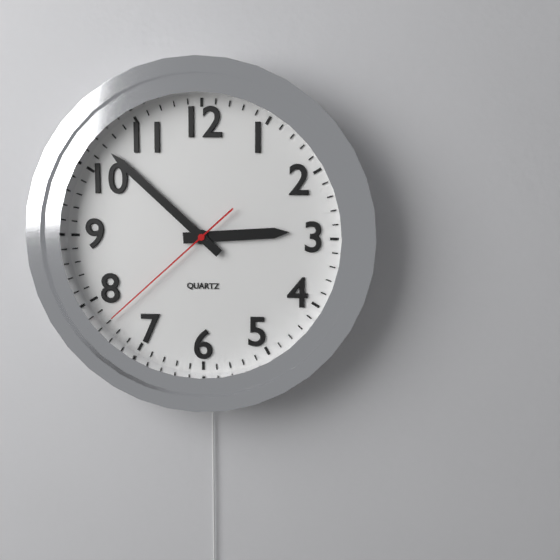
2:52:38
